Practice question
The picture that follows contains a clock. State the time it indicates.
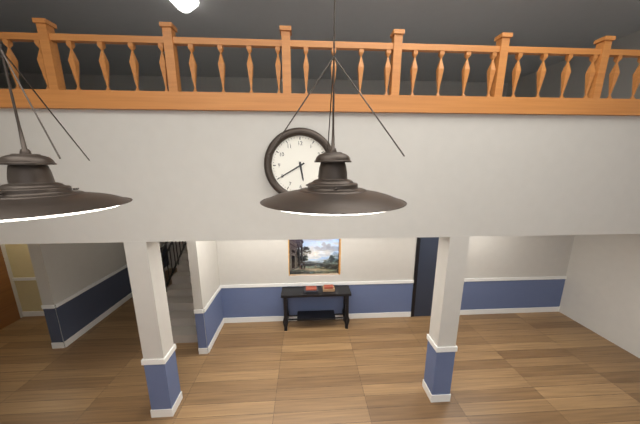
5:40
